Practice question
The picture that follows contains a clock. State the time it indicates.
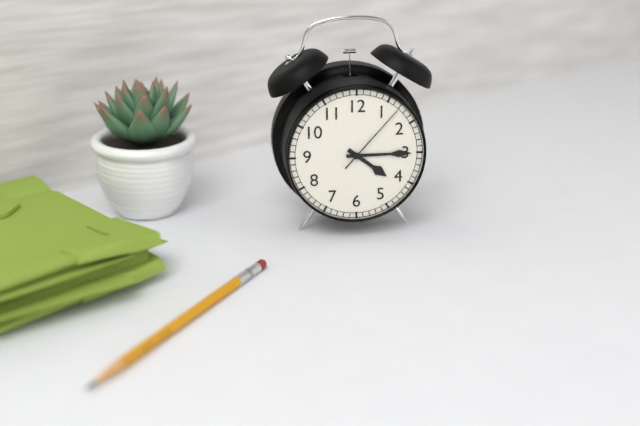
4:15:07
